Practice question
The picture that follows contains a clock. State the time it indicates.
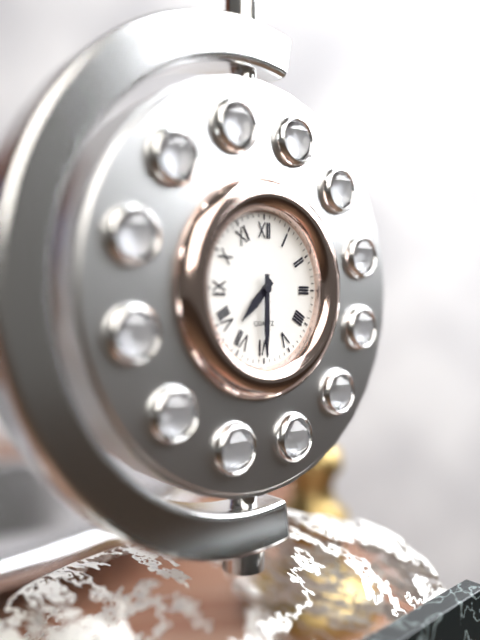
7:30
